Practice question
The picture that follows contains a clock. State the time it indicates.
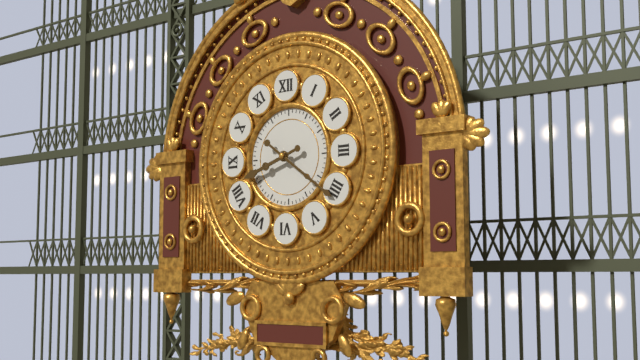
8:21
